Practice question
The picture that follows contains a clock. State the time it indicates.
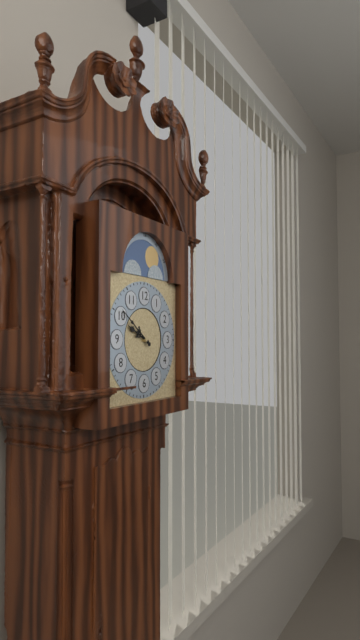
9:51
